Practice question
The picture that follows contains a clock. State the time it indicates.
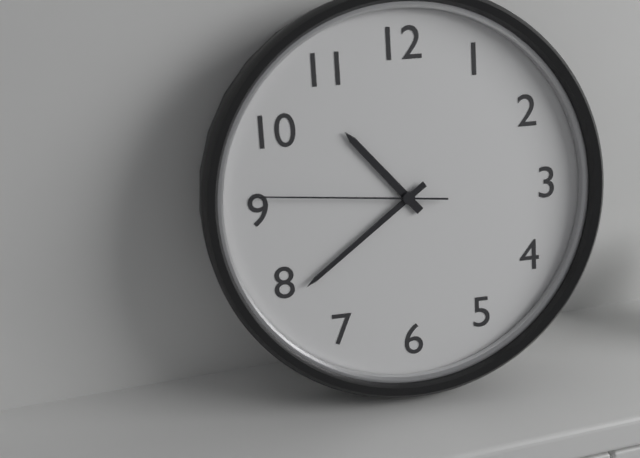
10:39:46
